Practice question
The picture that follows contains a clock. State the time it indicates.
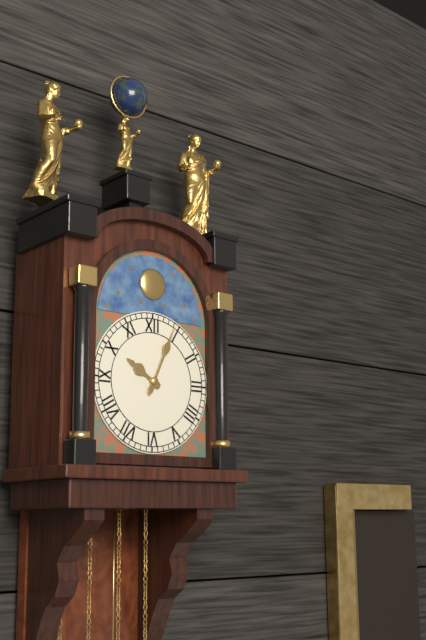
10:04
